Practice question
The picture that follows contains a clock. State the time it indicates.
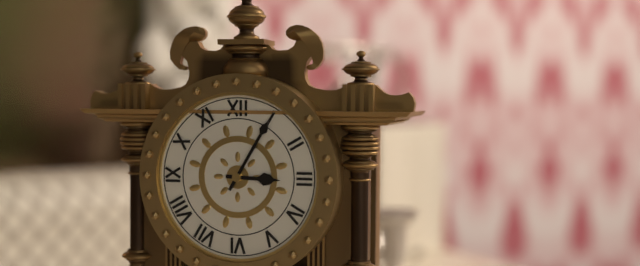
3:05
